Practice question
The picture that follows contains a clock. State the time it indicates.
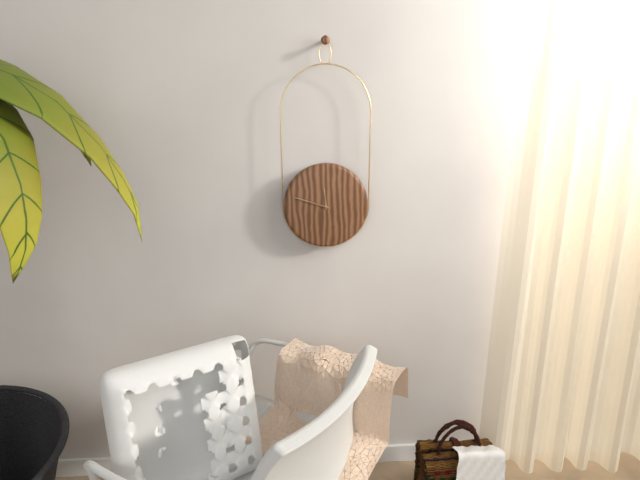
11:48
